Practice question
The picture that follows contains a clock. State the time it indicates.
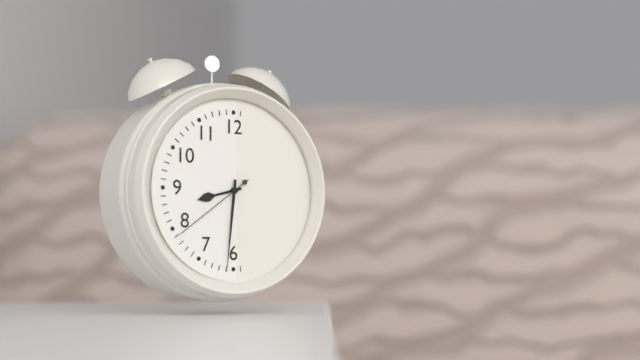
8:31:39
